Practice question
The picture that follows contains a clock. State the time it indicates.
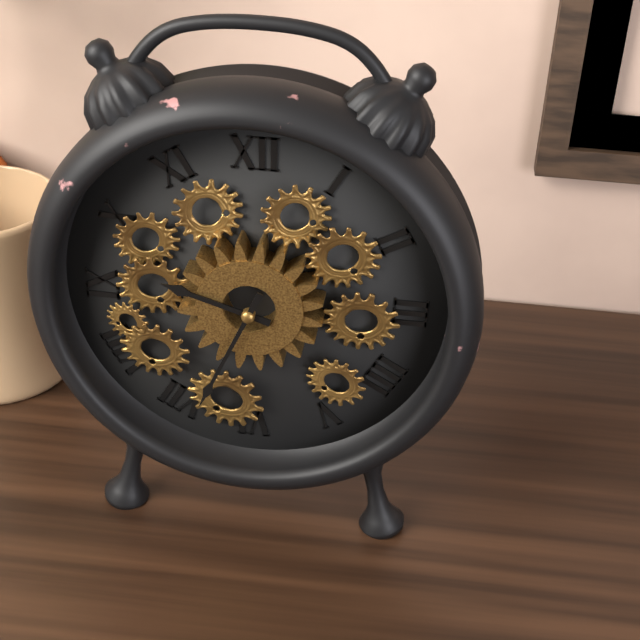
9:34
